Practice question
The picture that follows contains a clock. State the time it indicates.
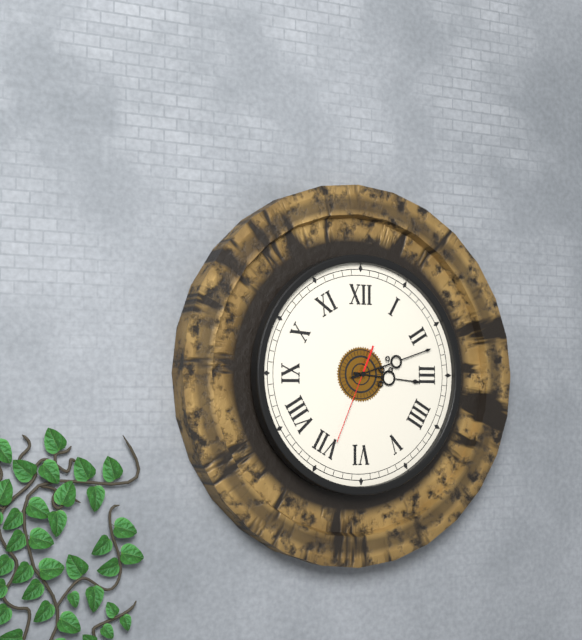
3:12:34
